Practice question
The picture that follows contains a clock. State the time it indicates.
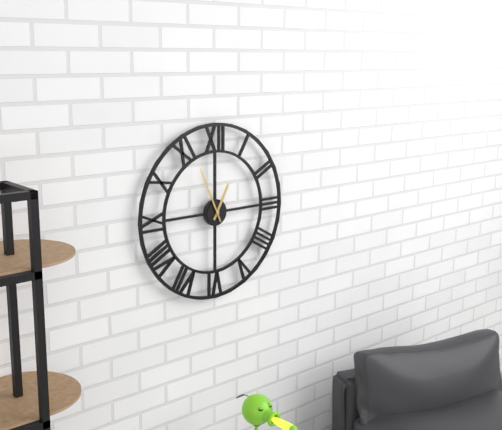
12:56
